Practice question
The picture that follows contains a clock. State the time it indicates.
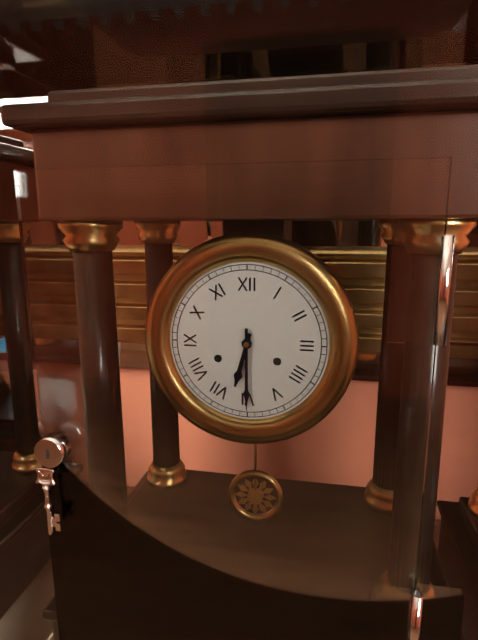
6:30
